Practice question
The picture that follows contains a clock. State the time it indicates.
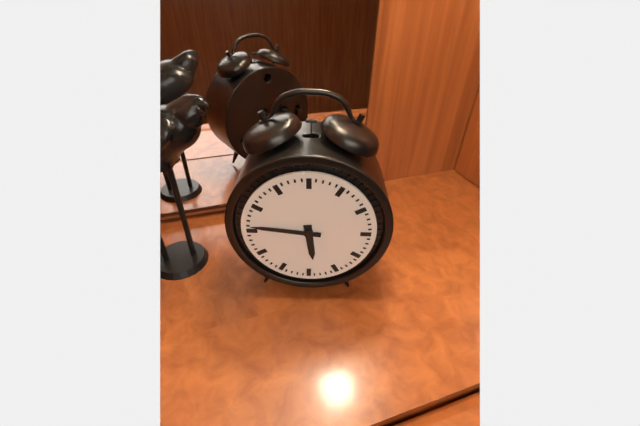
5:46
